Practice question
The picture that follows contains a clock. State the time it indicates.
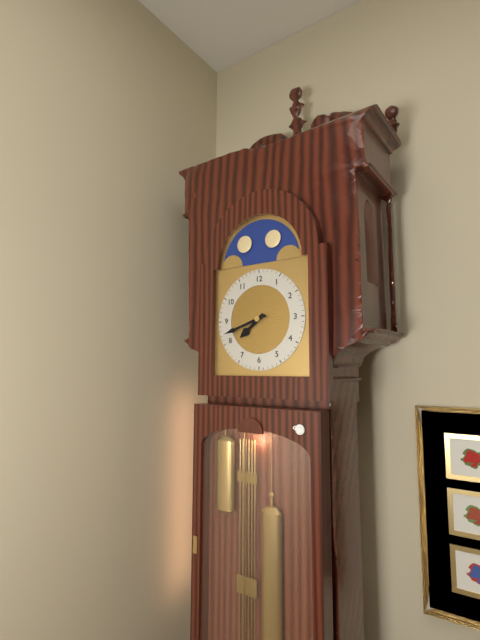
7:42
